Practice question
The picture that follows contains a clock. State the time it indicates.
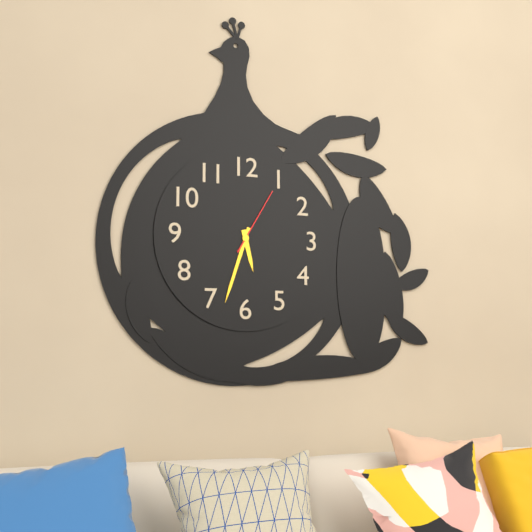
5:33:05
